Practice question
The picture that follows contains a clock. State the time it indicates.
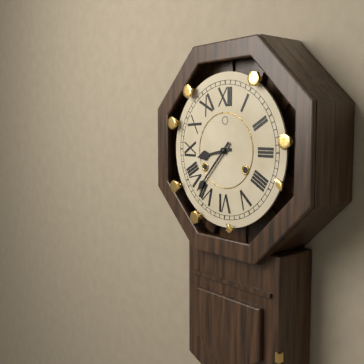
8:37
